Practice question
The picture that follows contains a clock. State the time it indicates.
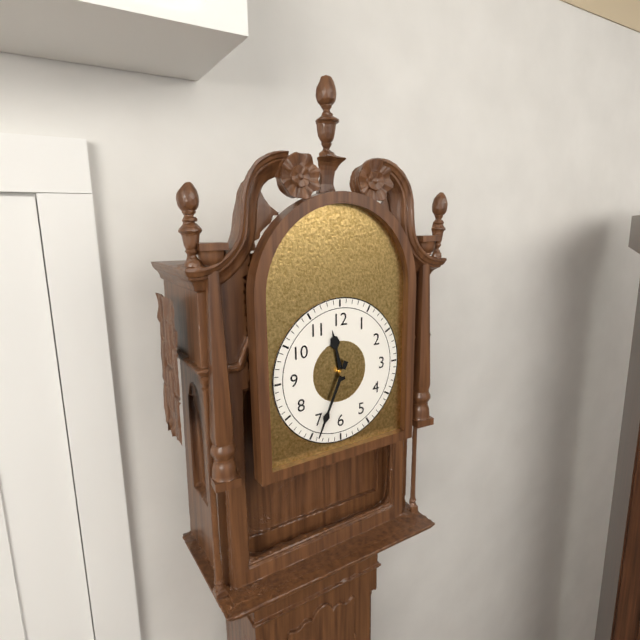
11:34
